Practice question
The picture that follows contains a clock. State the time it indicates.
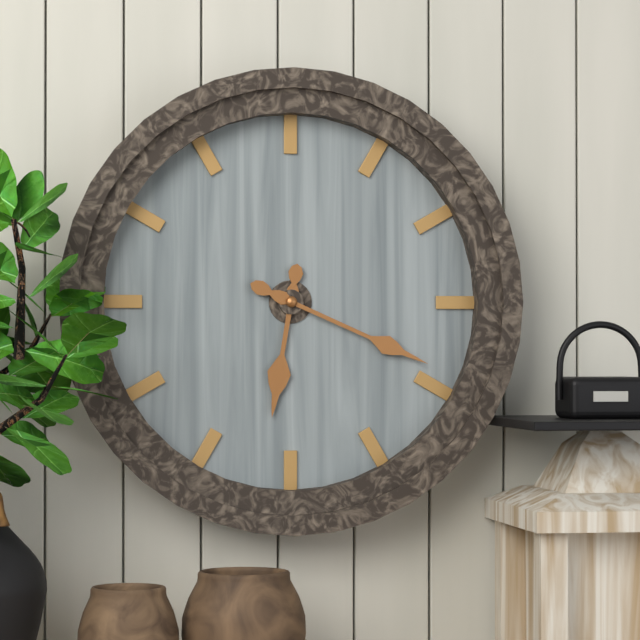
6:19
